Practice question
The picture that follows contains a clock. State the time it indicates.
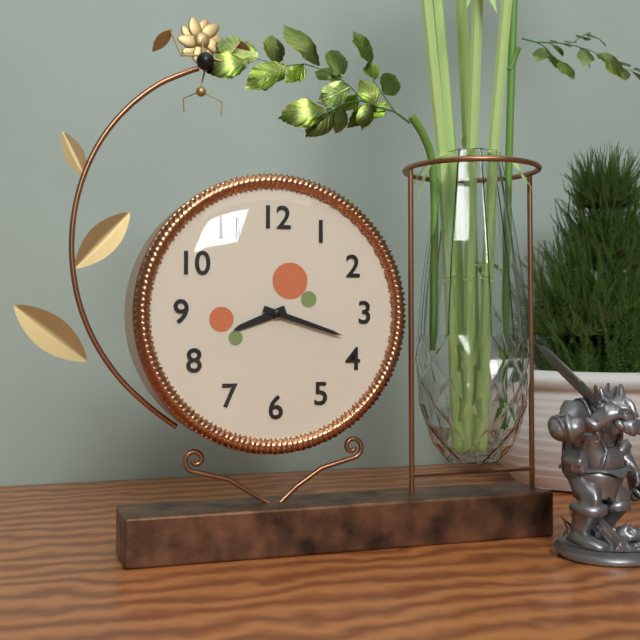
8:18
